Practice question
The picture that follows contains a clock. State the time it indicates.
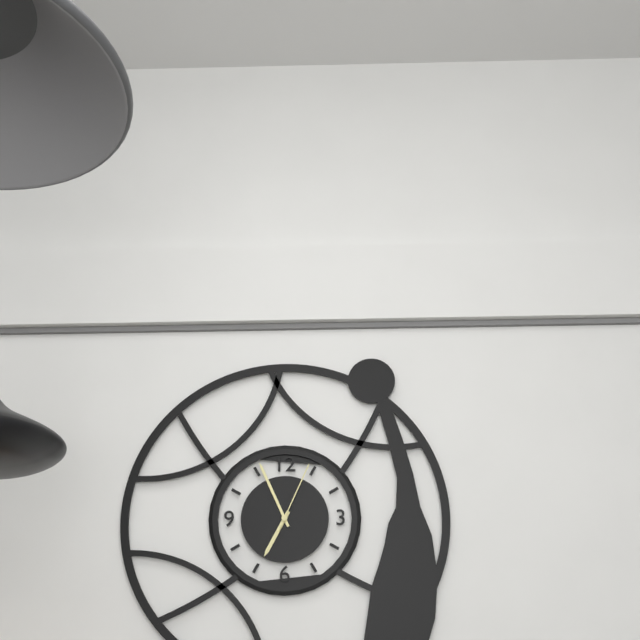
6:56:04
